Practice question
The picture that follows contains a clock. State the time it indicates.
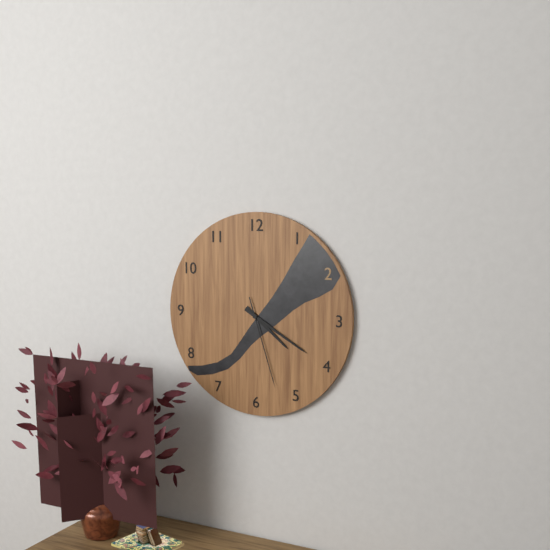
4:20:27
